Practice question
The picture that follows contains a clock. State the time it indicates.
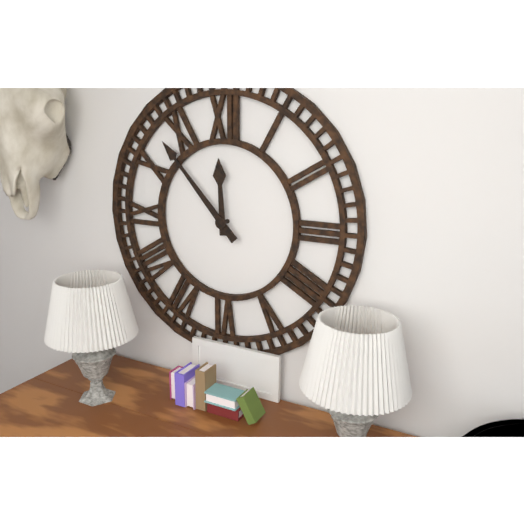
11:53
